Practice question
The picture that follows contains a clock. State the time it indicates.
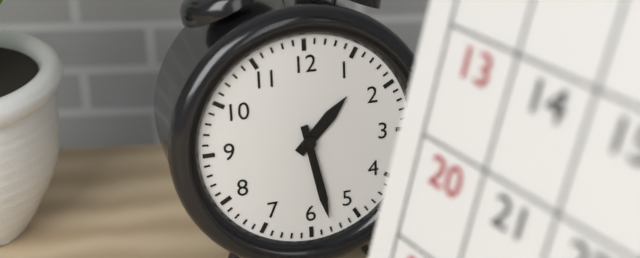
1:28
